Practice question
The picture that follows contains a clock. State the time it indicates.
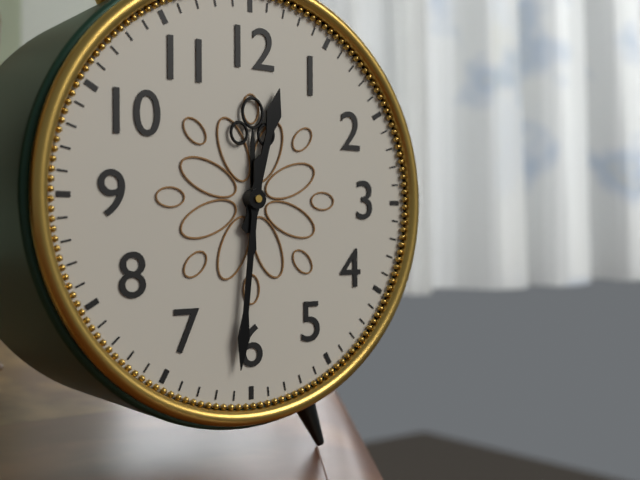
12:31
